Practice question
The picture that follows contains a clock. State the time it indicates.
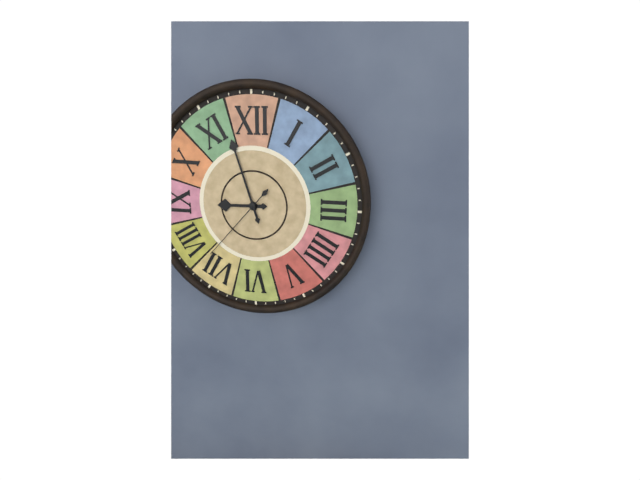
8:57:37
